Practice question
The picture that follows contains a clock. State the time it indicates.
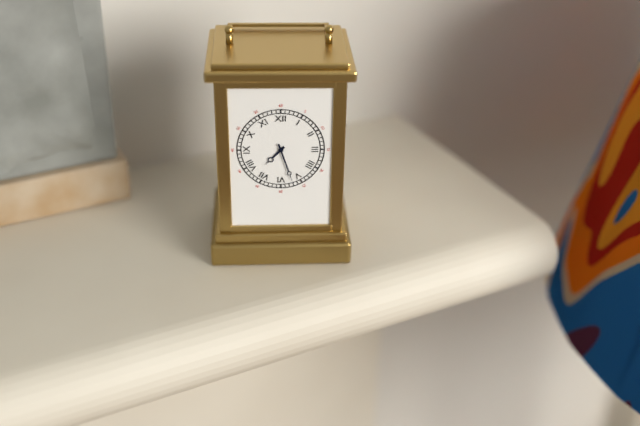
7:27
